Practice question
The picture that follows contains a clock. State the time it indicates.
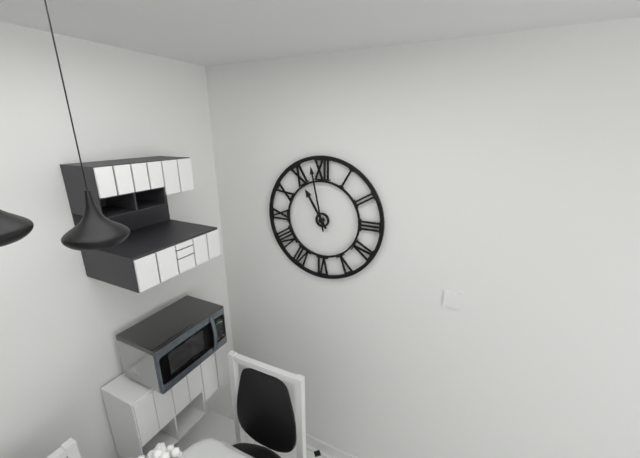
10:58
